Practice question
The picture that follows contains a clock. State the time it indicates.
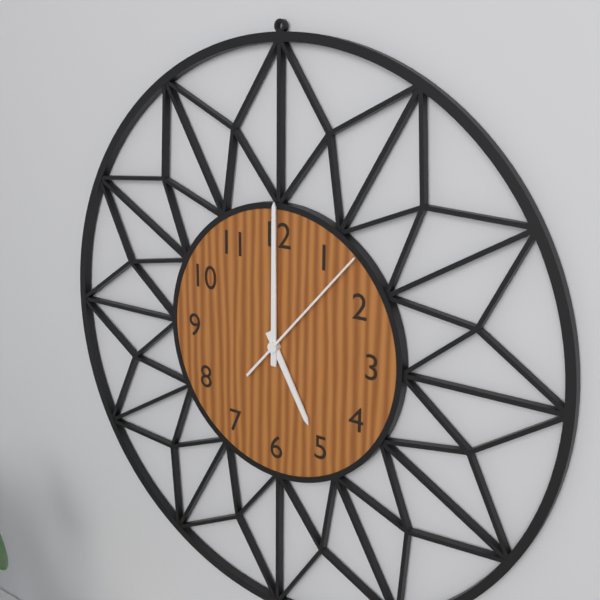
5:00:07
